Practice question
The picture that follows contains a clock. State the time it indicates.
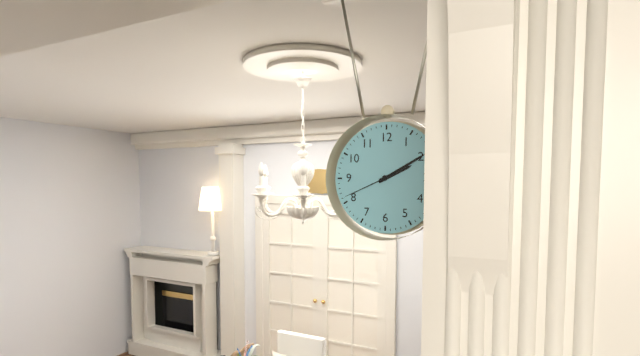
2:10:41
